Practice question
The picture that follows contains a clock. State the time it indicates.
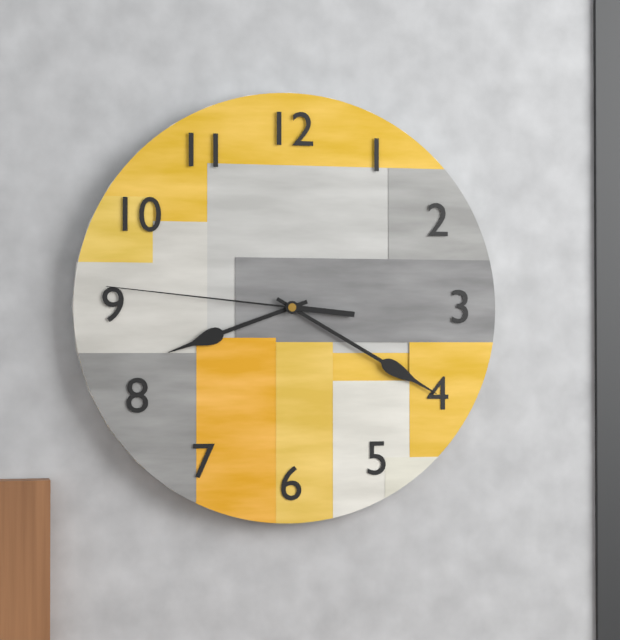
8:20:46
